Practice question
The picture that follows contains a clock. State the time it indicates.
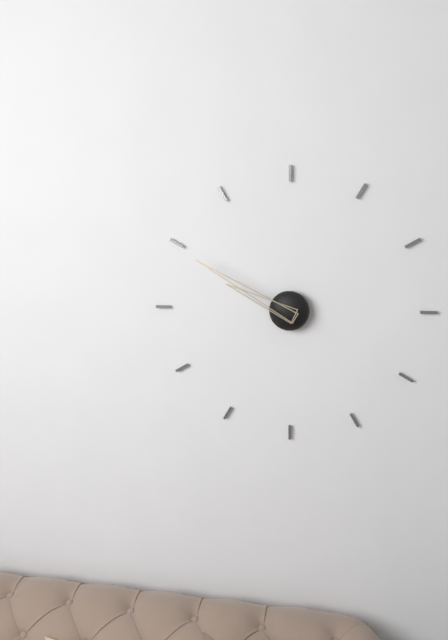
9:50
